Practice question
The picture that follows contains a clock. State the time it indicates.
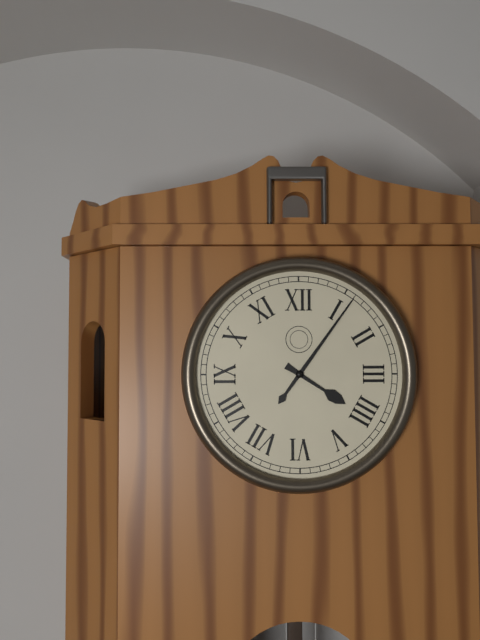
4:06
